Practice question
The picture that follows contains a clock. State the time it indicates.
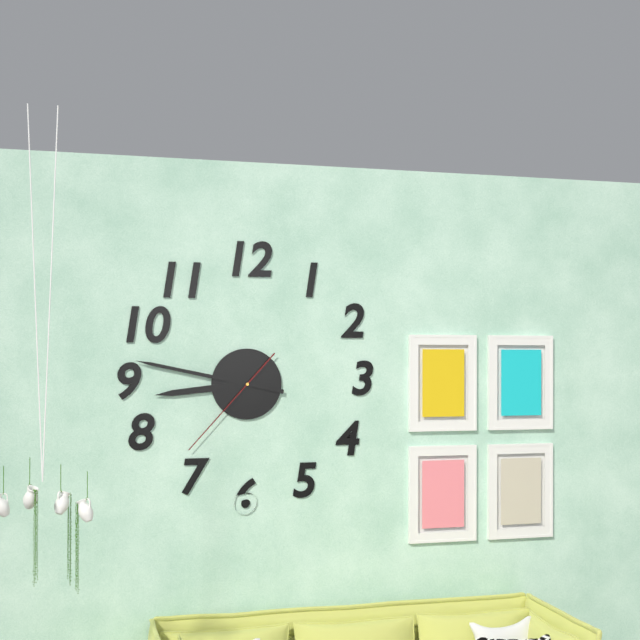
8:47:37
